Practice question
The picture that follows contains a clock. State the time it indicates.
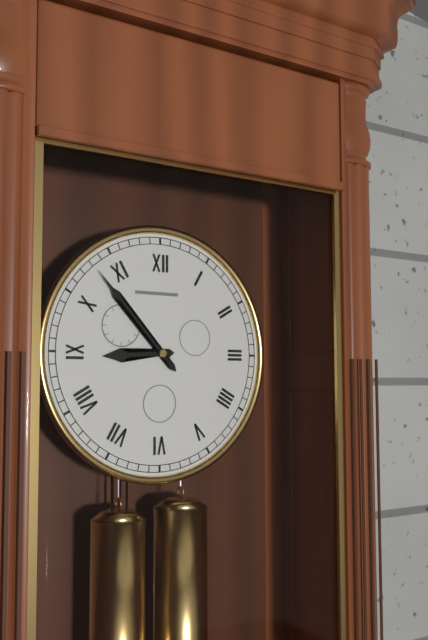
8:53
